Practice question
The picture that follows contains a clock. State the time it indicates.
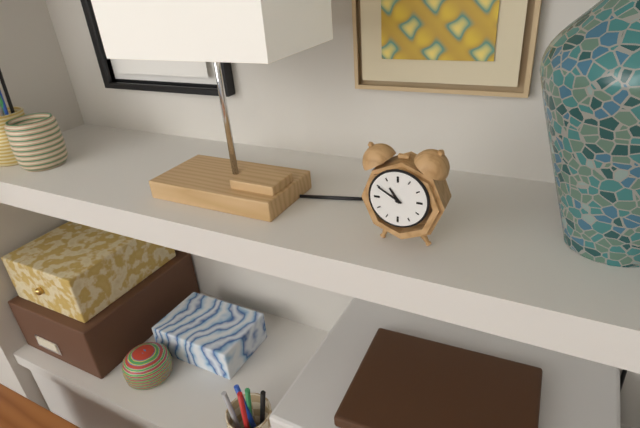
10:50
